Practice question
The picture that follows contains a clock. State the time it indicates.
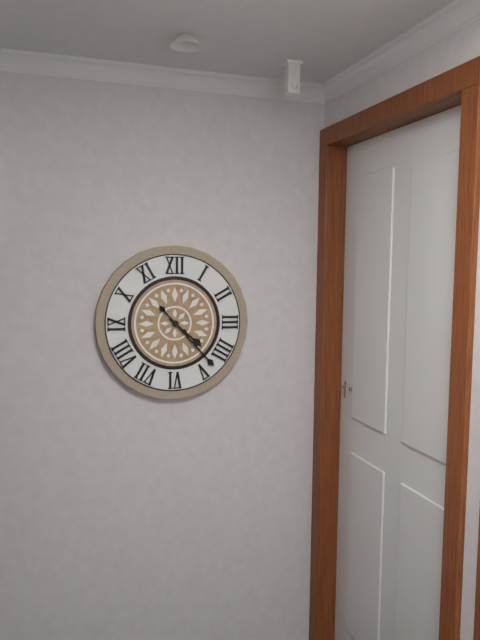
4:23
